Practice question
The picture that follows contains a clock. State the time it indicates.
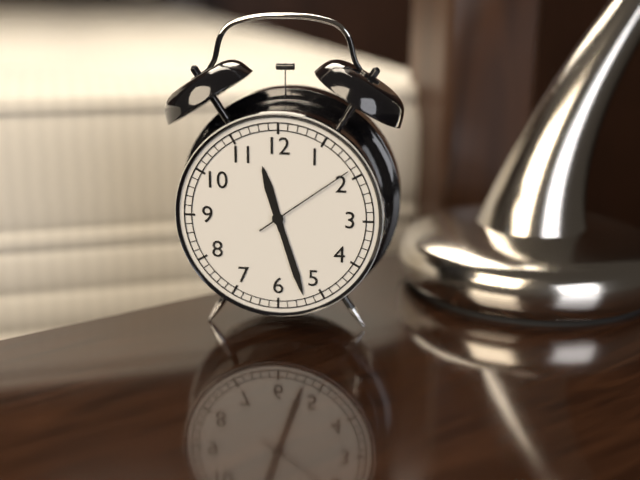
11:27:09
